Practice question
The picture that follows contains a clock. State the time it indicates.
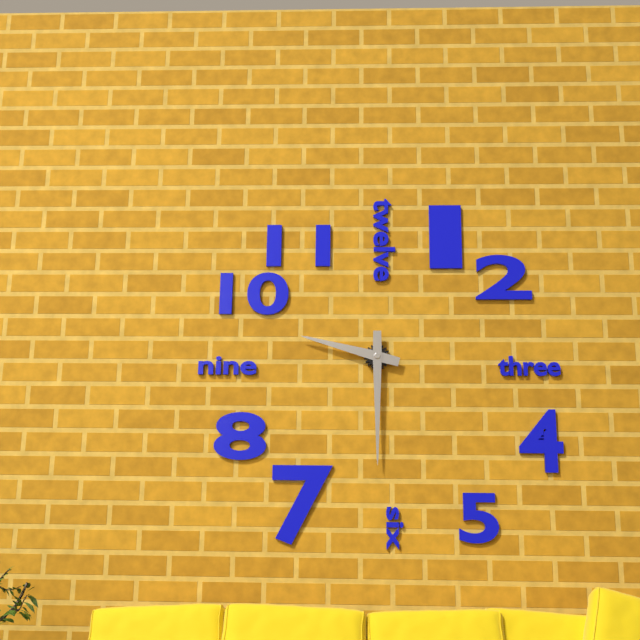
9:30
